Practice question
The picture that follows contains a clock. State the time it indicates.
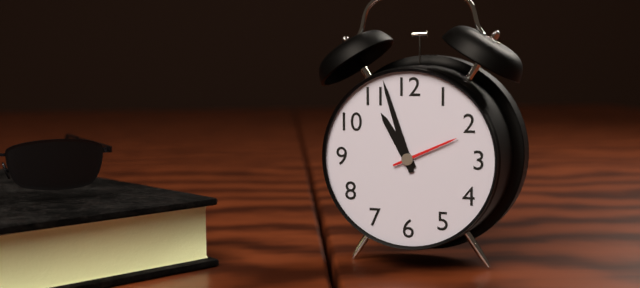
10:57:11
